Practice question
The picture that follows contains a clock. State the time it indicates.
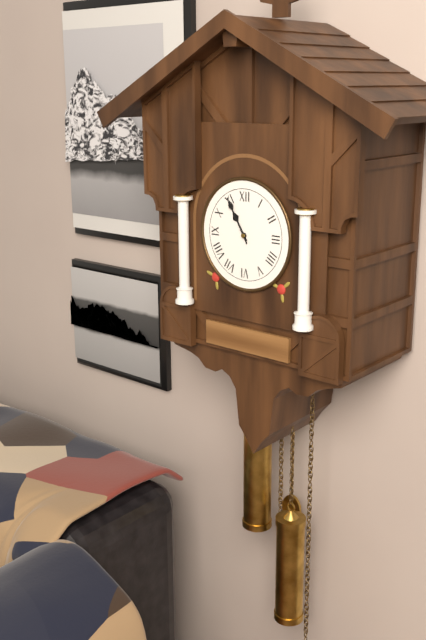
10:55
